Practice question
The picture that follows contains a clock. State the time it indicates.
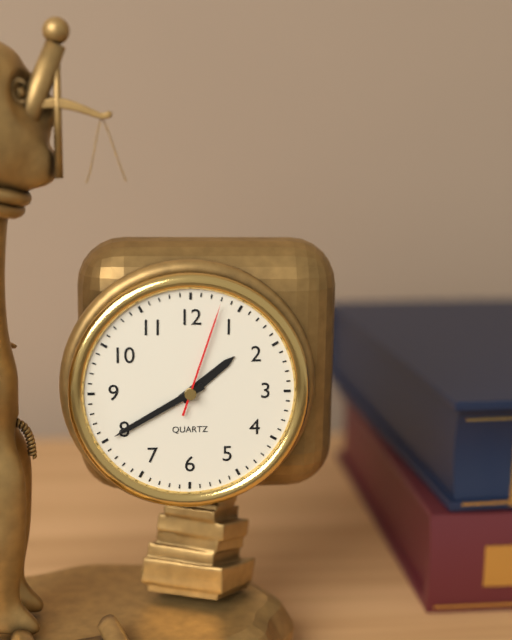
1:40:03
